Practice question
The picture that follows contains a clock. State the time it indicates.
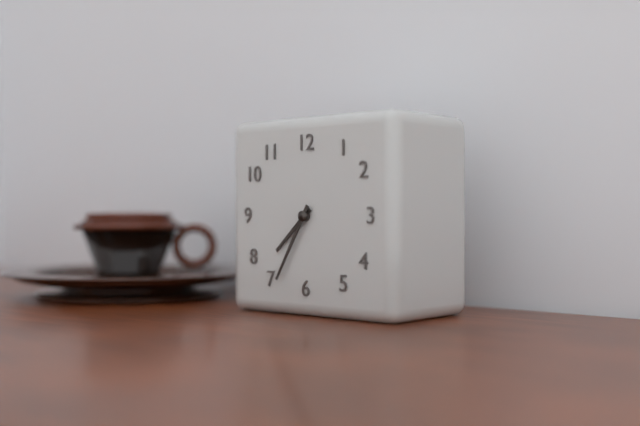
7:35
